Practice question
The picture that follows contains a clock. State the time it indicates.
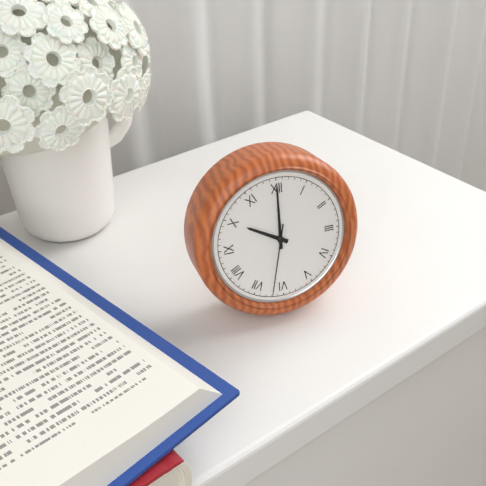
10:00:32
